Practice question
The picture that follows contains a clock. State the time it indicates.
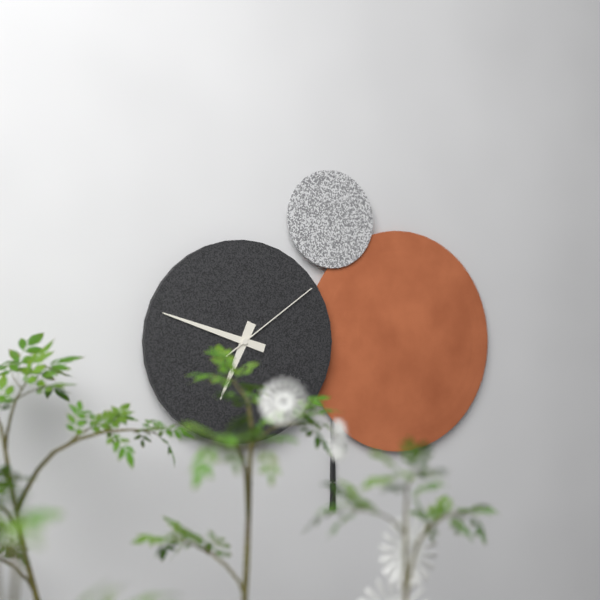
6:48:09
